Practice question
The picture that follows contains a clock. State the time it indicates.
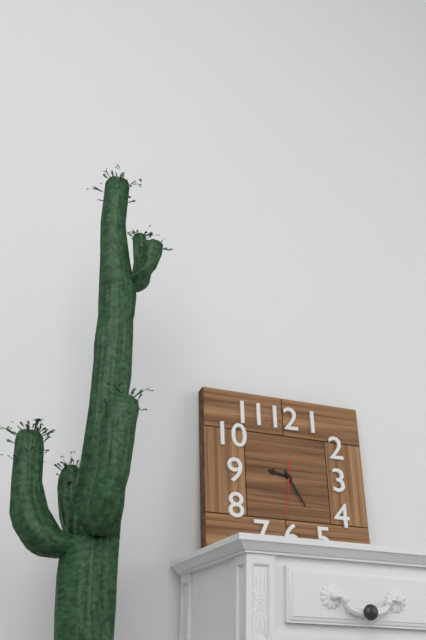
9:25
